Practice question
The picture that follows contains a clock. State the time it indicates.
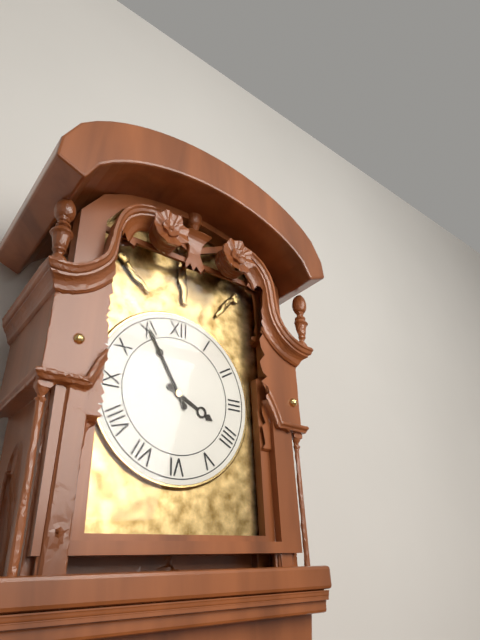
3:55
